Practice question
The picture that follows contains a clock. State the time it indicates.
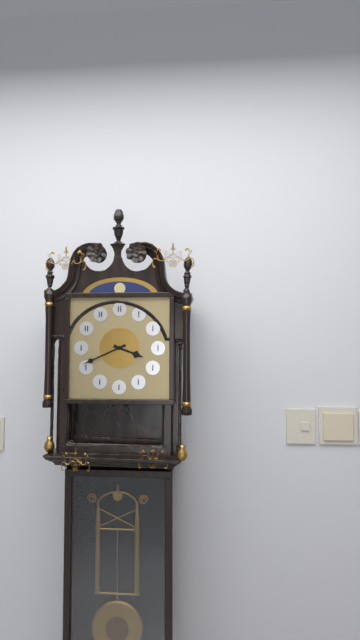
3:41
